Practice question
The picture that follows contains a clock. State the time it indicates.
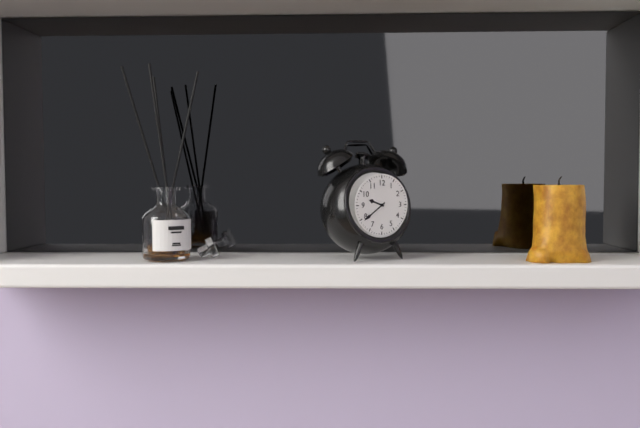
9:39
